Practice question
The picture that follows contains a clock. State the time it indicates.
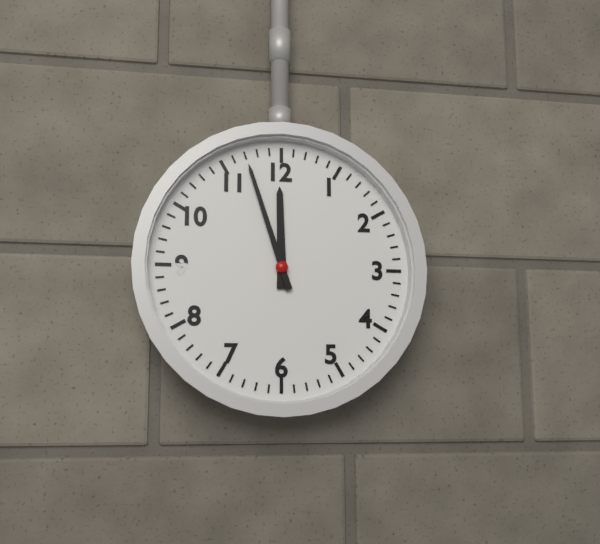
11:57
